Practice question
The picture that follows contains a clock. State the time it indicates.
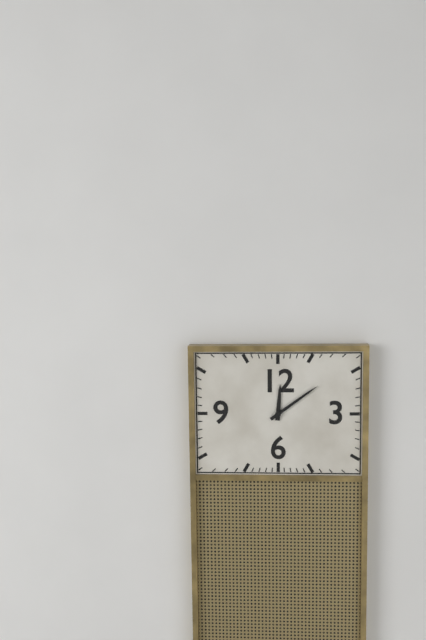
12:09
